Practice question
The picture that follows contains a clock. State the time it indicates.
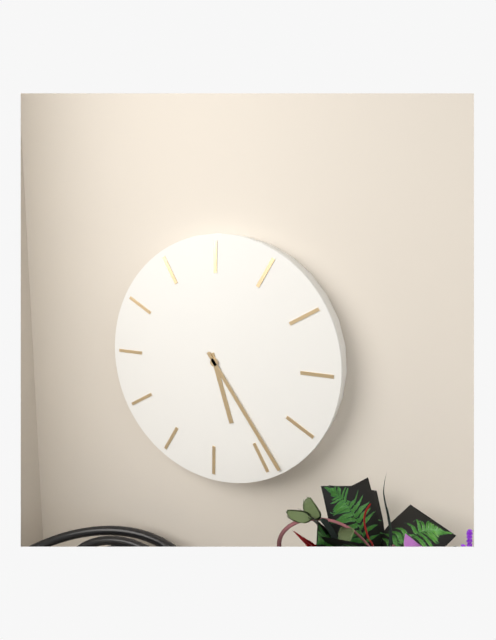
5:24
